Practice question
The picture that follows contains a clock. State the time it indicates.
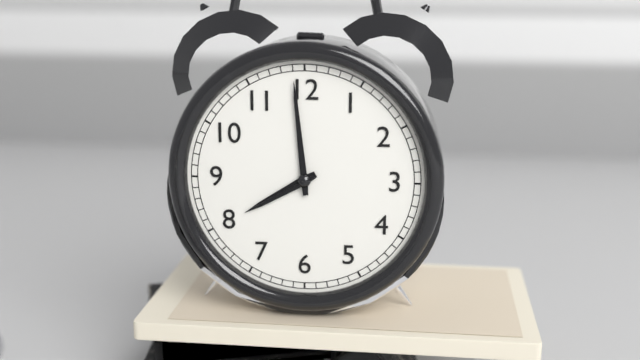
7:59:40
